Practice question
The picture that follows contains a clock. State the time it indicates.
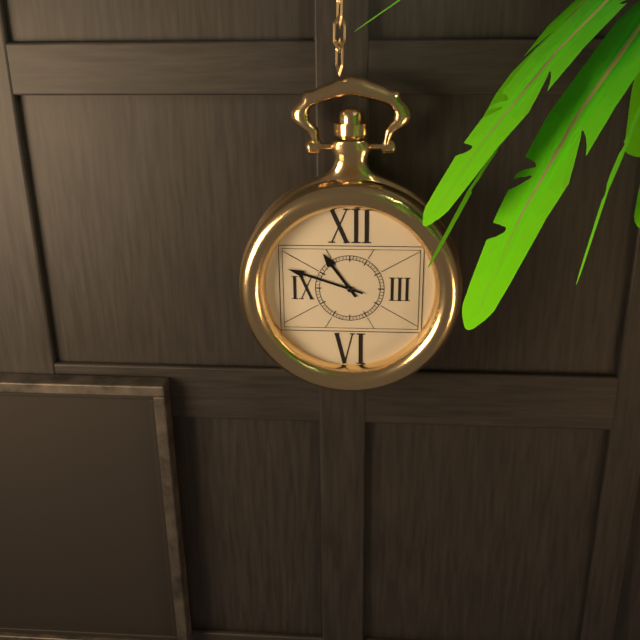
10:48
